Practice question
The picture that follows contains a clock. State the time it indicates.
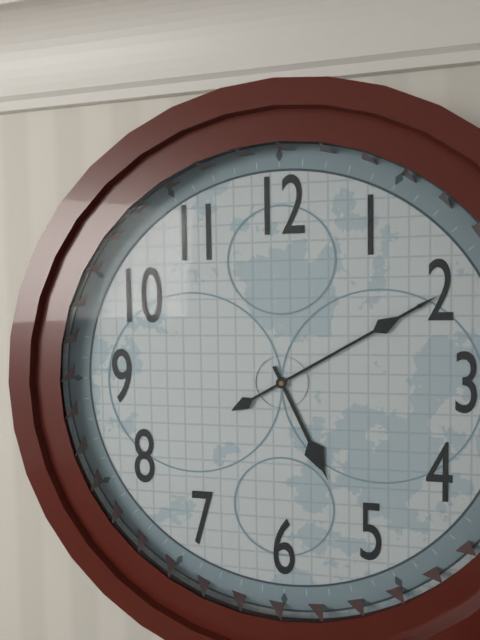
5:10
